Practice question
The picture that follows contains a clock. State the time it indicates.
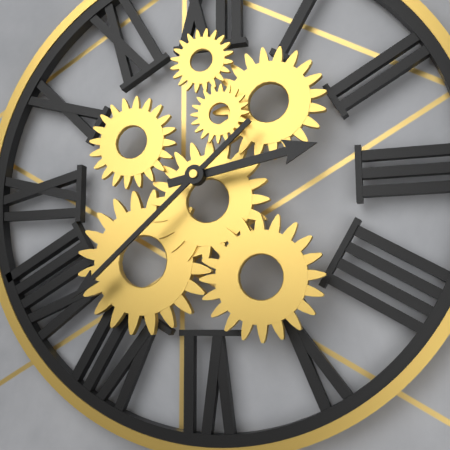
2:38
